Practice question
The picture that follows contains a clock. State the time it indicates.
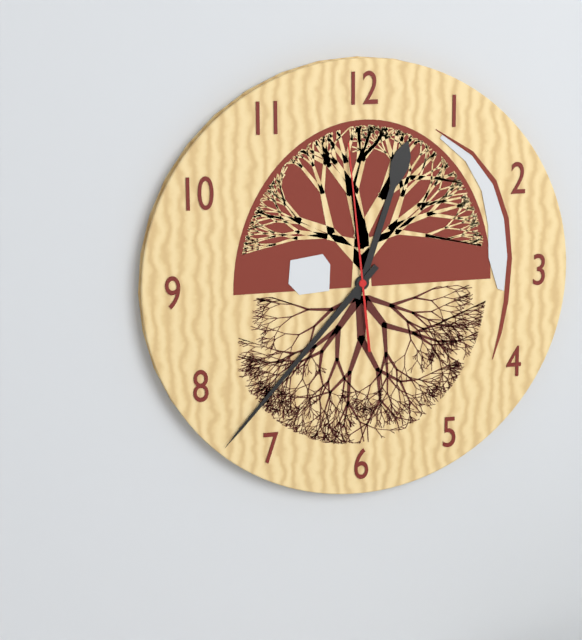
12:37:59
